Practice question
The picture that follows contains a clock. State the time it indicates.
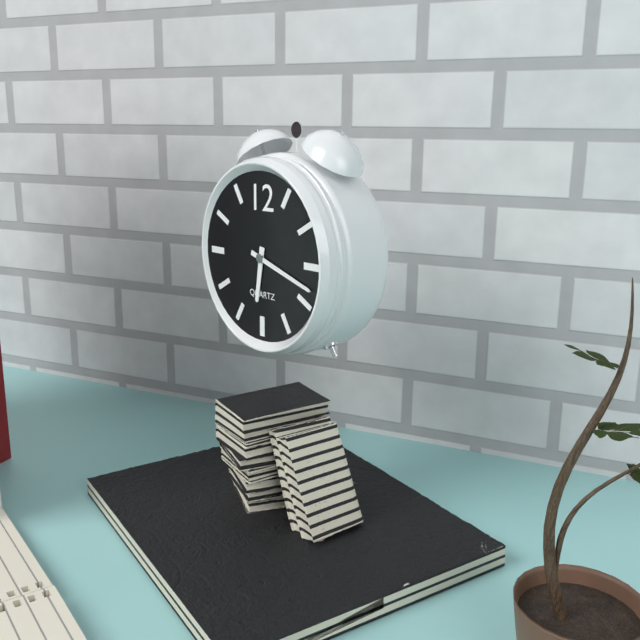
6:18
